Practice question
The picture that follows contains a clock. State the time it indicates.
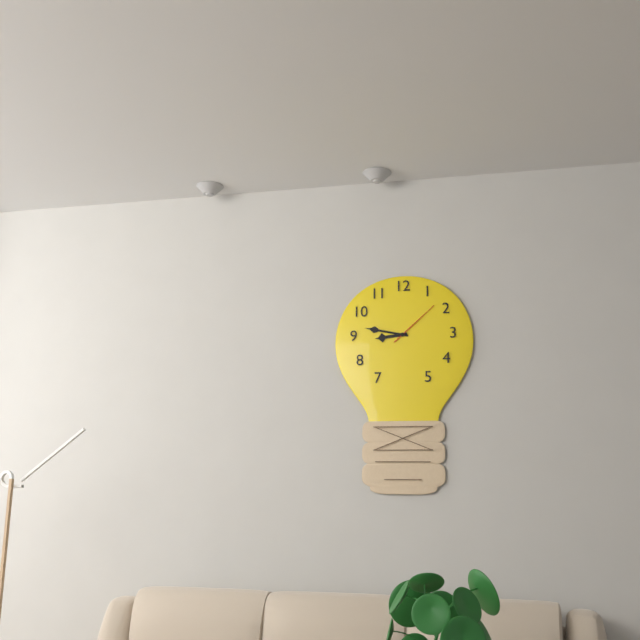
8:47:08
